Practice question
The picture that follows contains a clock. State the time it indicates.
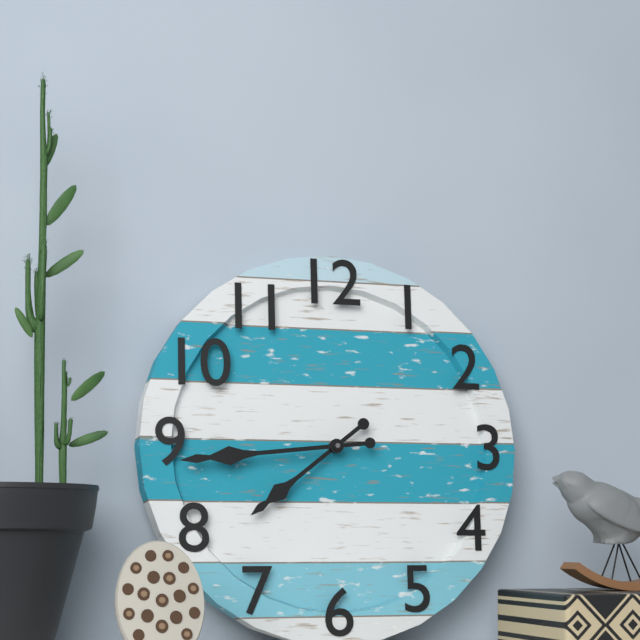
7:44
